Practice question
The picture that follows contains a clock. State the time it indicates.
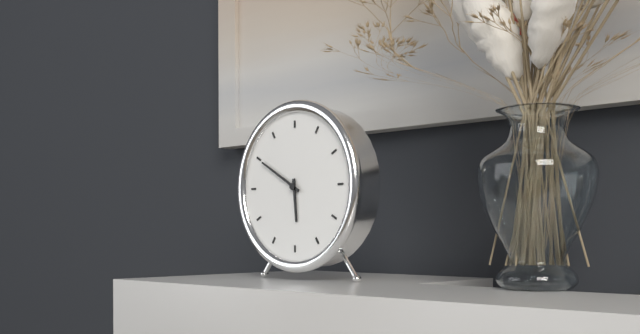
5:50
